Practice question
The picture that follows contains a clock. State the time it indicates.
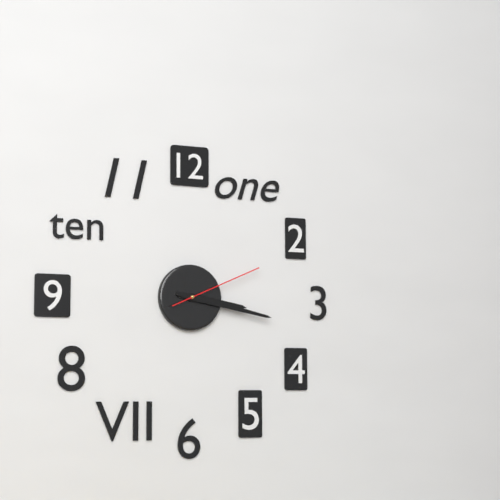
3:17:11
